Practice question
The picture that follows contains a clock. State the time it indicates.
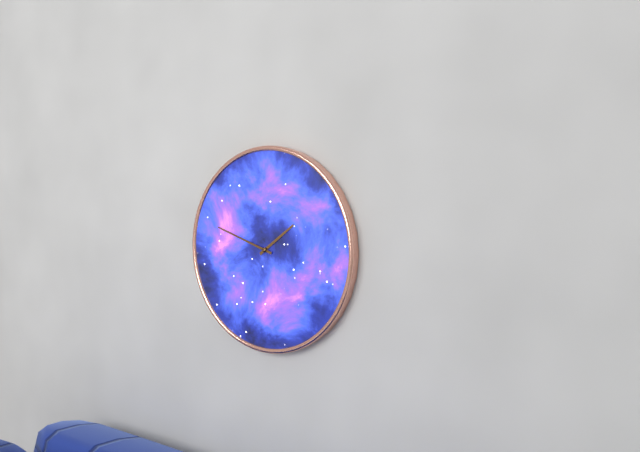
1:48
